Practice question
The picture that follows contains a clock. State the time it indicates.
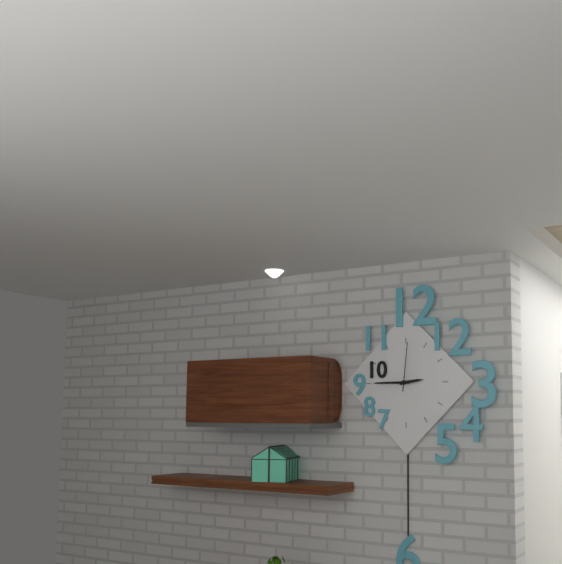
2:45:01
